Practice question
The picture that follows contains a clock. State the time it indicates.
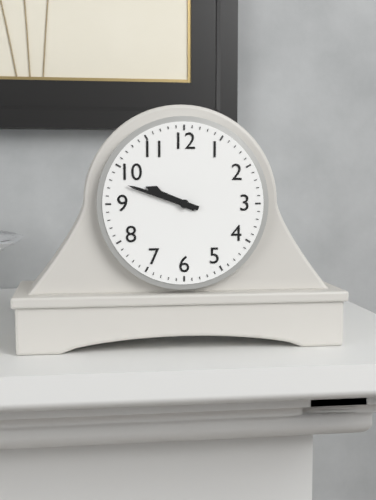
9:48
